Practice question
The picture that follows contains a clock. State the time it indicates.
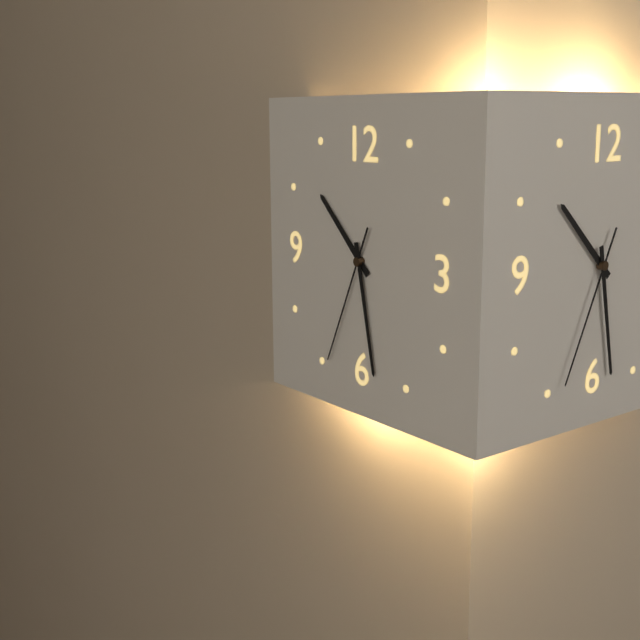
10:28:34
